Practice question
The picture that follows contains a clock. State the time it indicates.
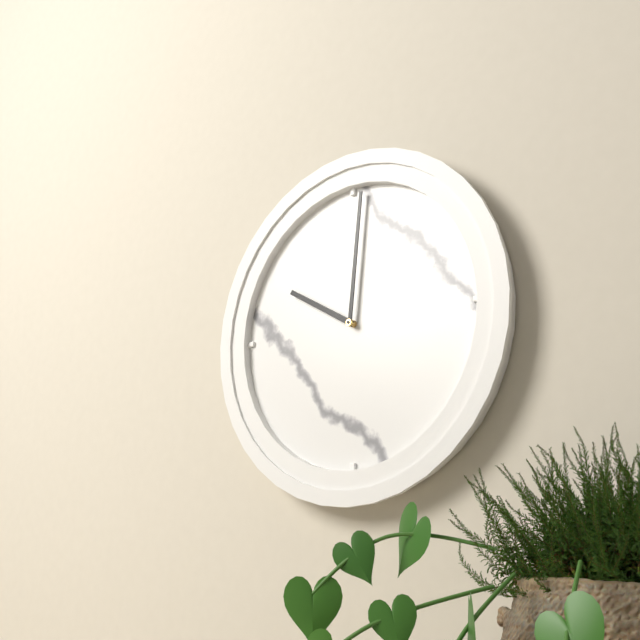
10:01
